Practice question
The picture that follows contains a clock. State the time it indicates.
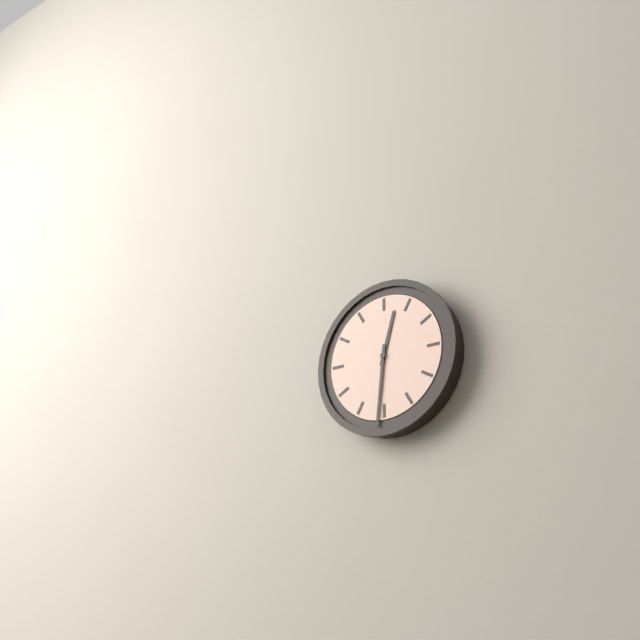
12:31
